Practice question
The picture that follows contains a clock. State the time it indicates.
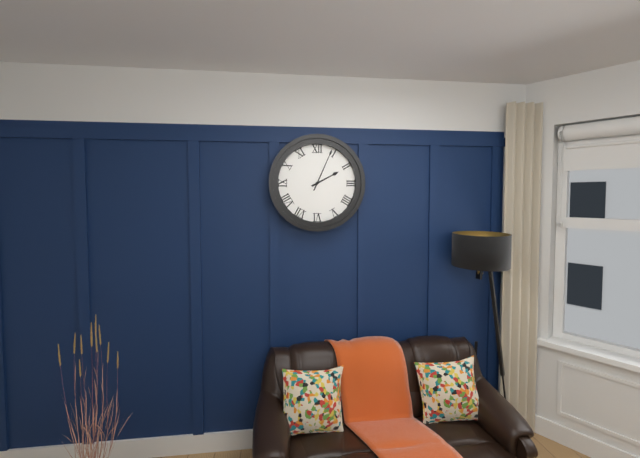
2:04
